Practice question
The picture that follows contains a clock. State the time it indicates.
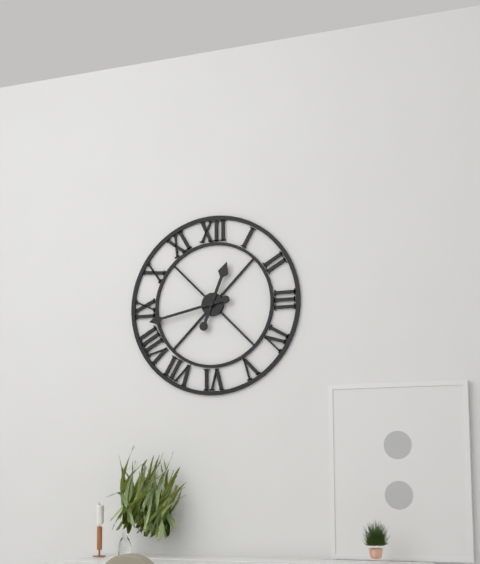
12:43
